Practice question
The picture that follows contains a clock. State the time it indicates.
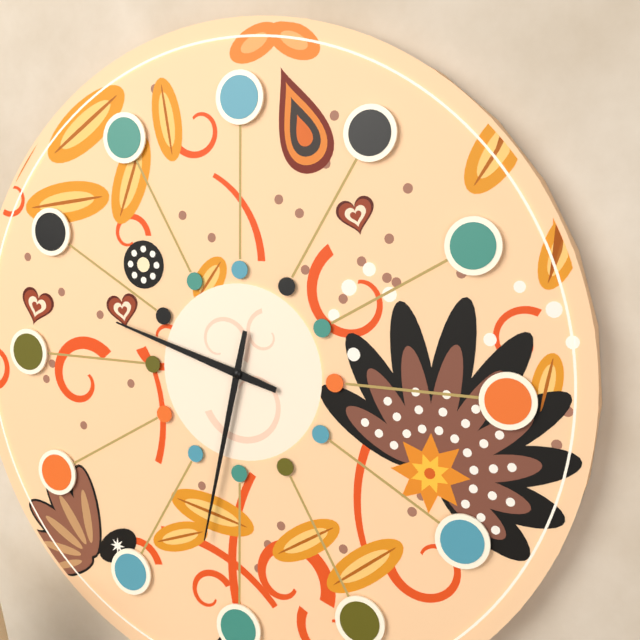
9:32
